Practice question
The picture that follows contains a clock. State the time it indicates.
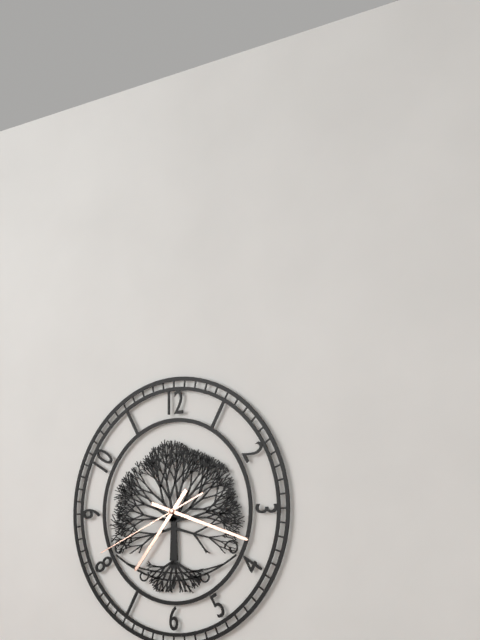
7:18:41
